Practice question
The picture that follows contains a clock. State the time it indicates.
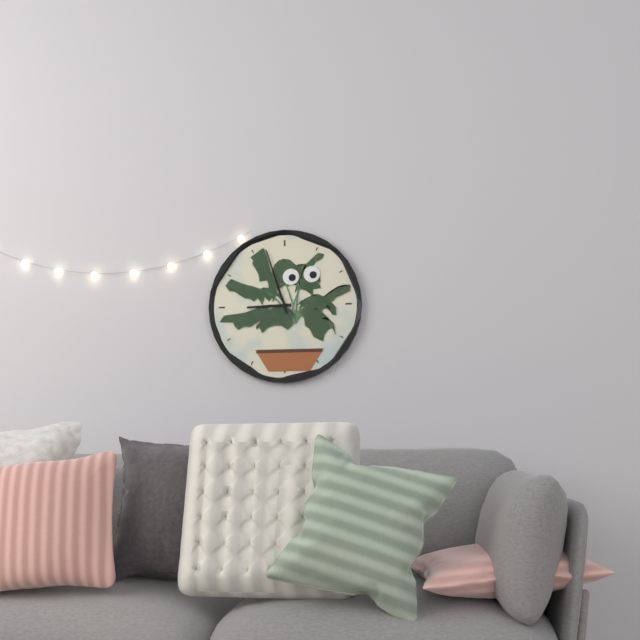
8:57
